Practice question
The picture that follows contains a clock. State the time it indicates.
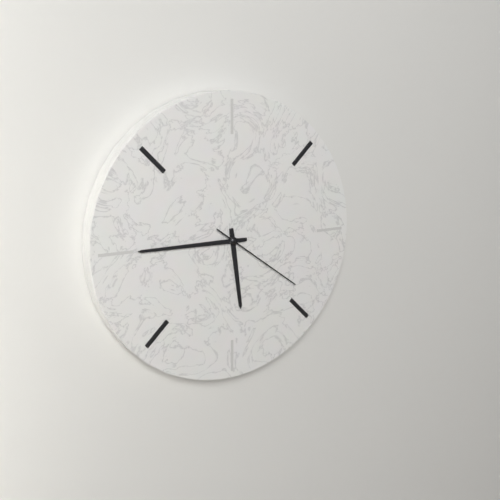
5:45:21
